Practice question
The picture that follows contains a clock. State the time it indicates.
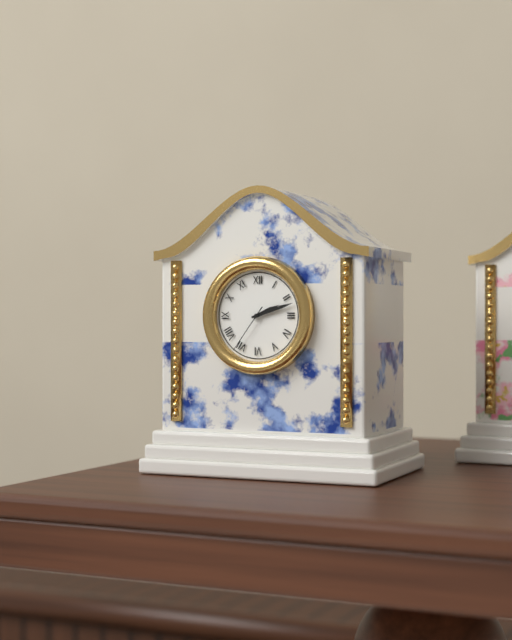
2:12:36
